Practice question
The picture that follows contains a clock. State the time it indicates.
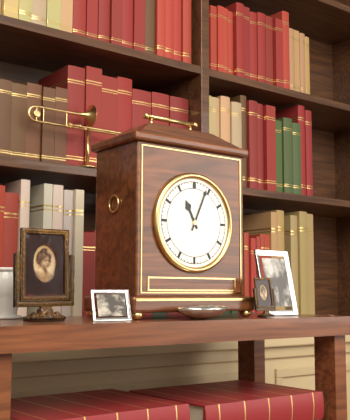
11:04
